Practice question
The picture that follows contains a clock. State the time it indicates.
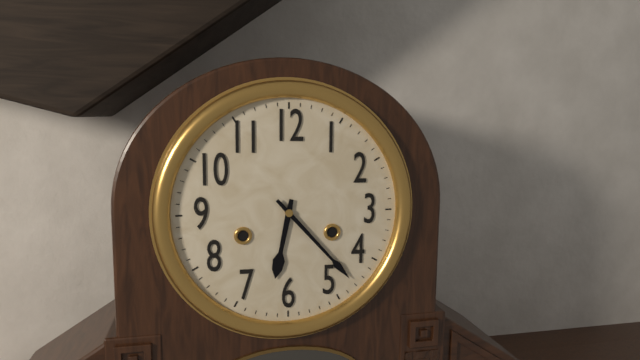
6:23
